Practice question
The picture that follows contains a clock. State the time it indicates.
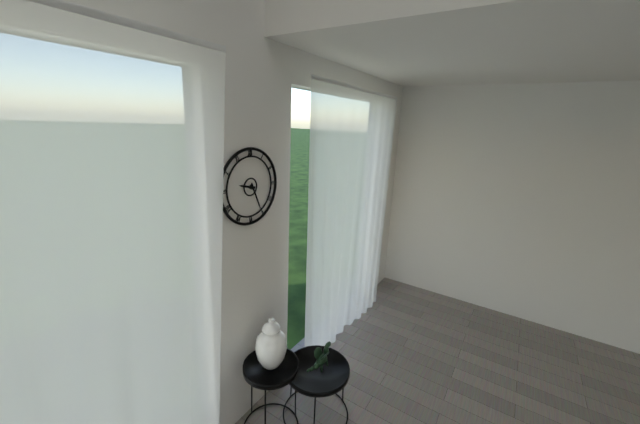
9:26
